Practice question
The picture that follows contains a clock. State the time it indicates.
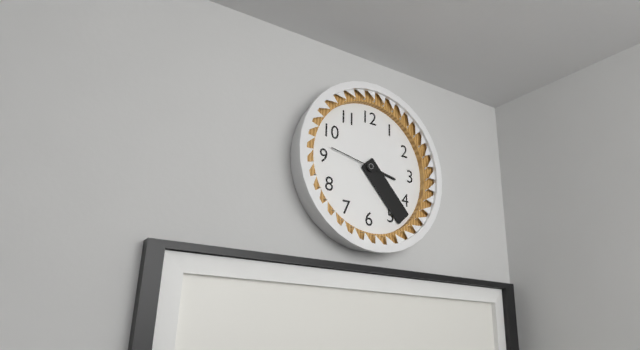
3:23:47
